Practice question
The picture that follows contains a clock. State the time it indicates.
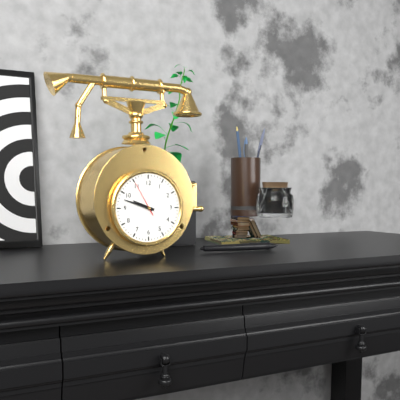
9:48
